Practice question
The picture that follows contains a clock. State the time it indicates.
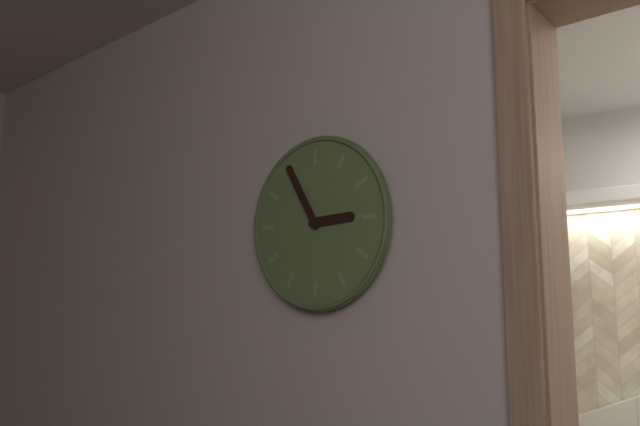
2:55
